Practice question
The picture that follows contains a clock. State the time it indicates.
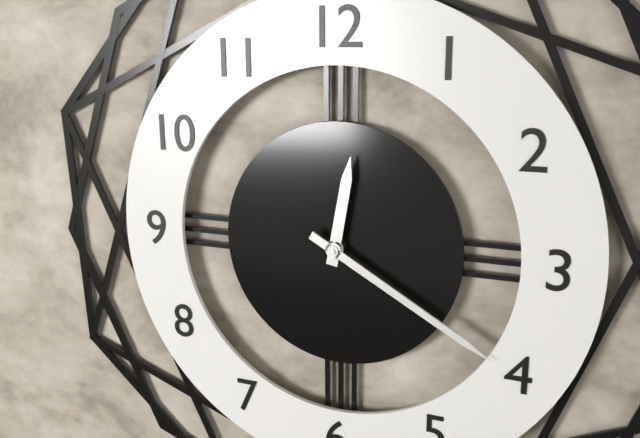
12:20
